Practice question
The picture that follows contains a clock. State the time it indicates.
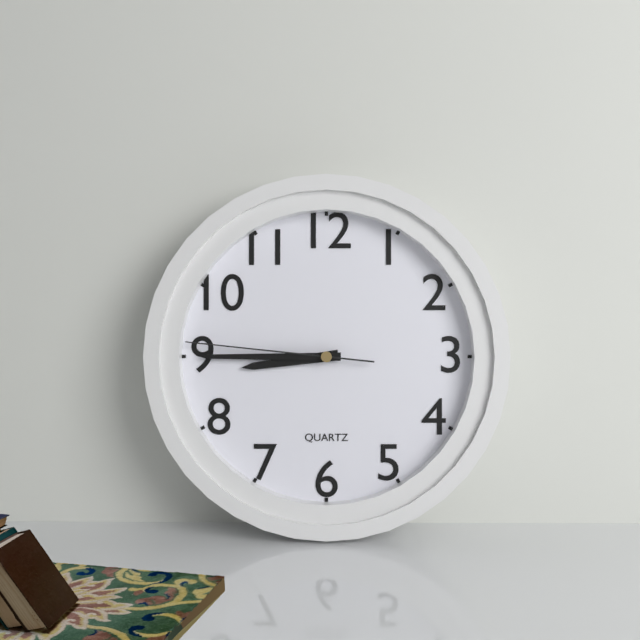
8:45:46
